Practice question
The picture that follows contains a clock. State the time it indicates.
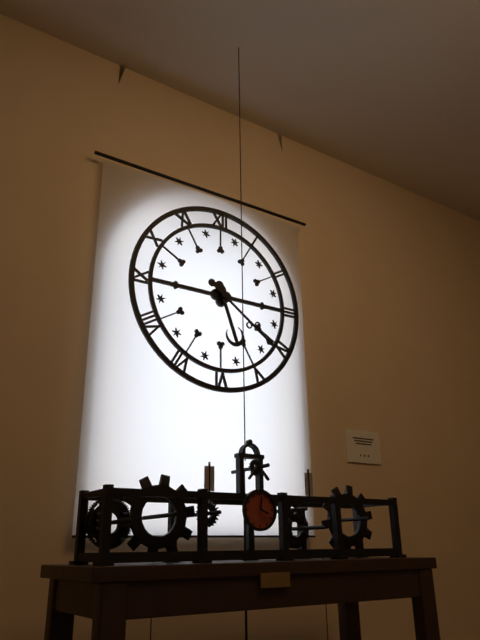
5:21
